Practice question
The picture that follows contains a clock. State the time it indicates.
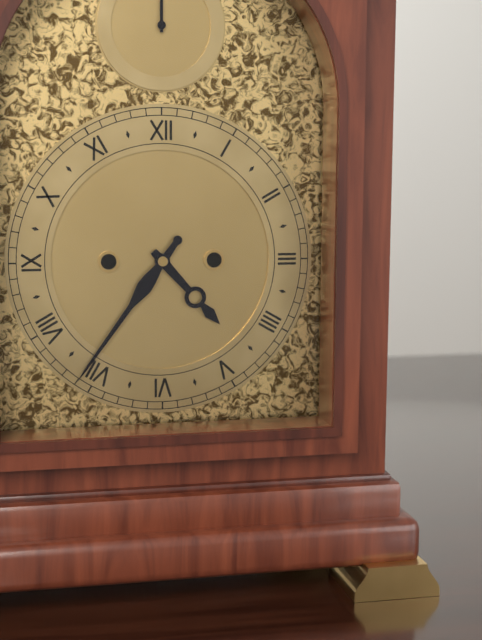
4:36
